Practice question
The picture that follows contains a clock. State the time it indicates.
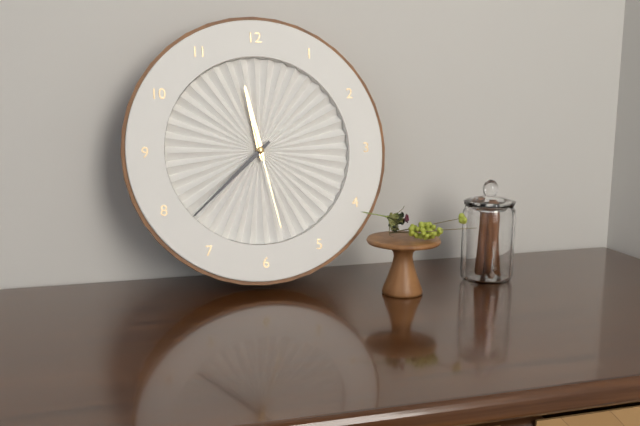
11:38:28
